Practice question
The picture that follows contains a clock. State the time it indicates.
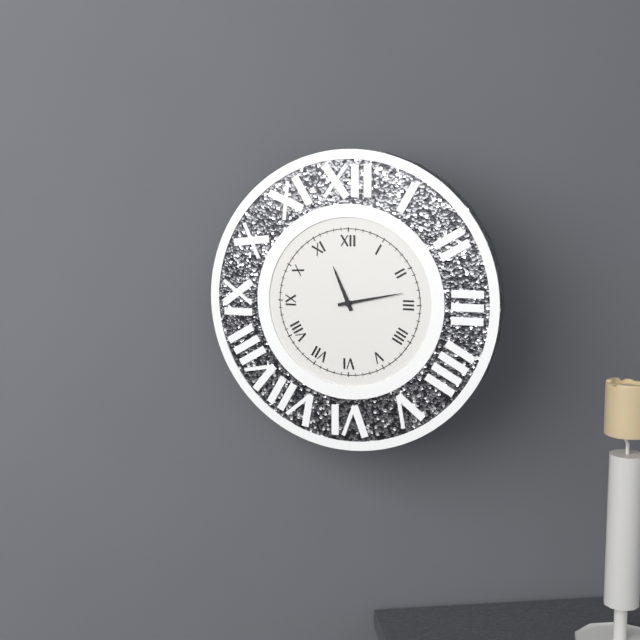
11:13
